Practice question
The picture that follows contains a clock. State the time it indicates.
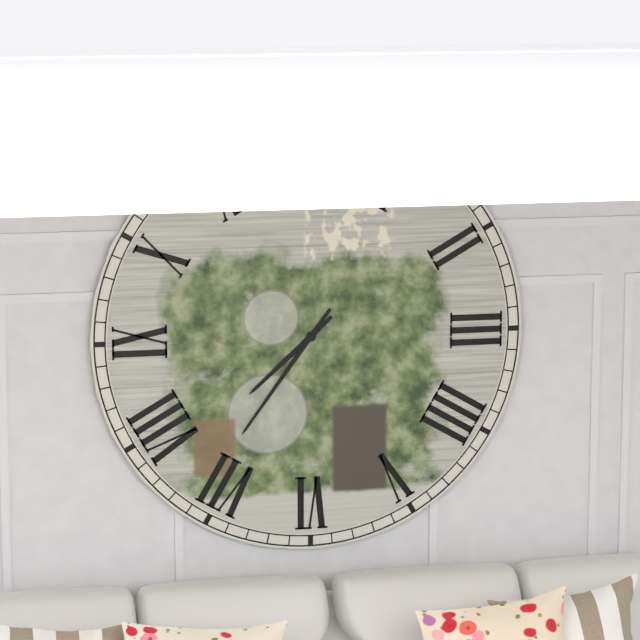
7:36
